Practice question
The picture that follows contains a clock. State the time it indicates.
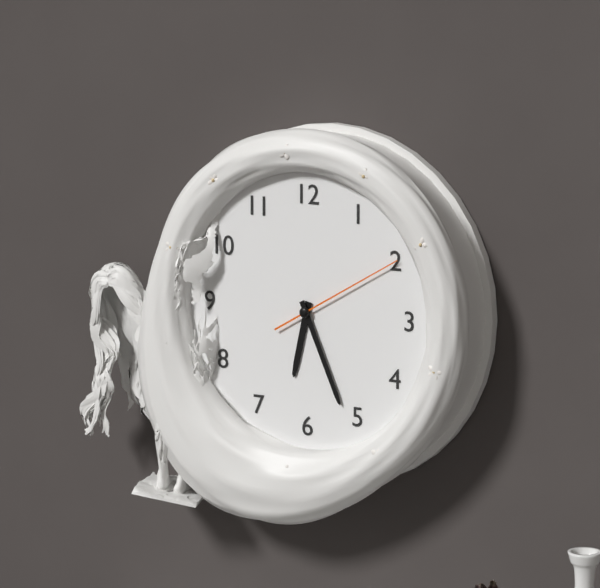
6:26:10
